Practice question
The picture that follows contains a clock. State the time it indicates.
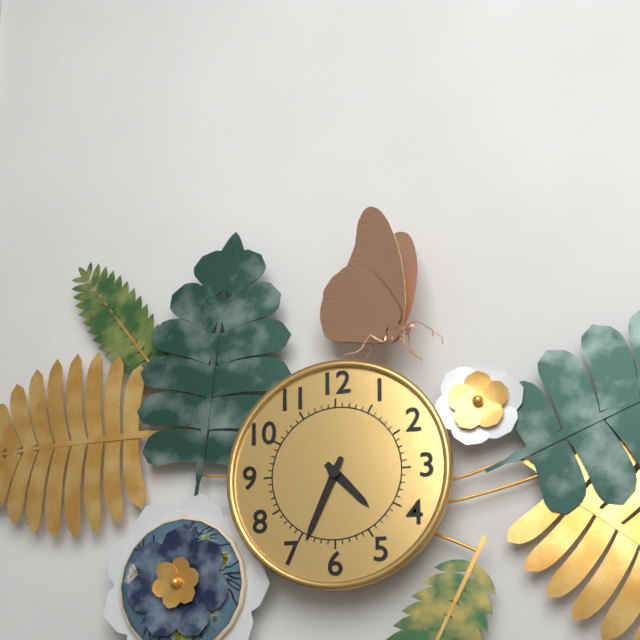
4:34
